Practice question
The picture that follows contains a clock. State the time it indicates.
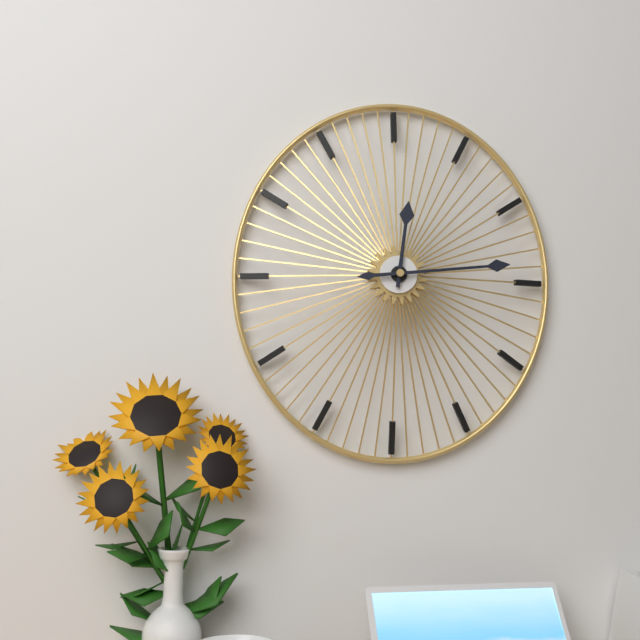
12:14
